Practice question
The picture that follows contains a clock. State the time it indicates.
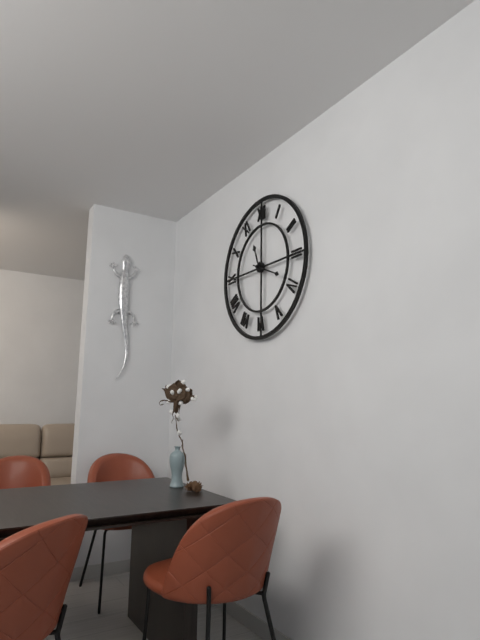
11:19
